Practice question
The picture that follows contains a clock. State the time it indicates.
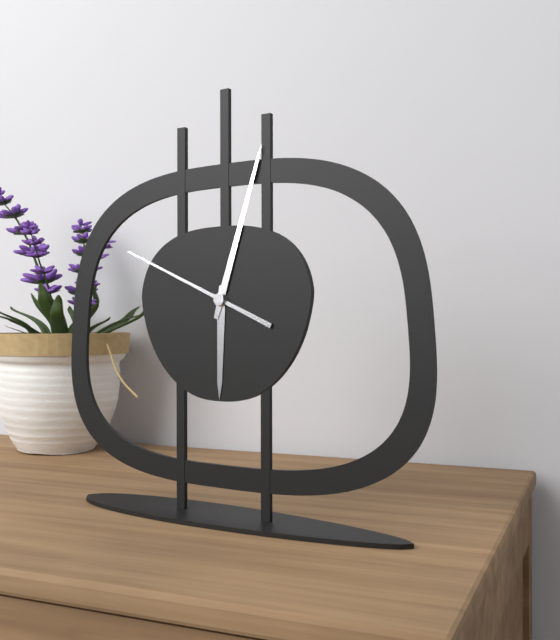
6:03:49
